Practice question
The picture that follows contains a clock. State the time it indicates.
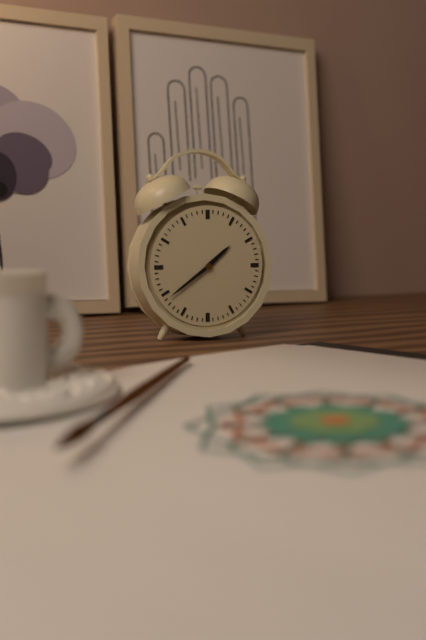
1:39
